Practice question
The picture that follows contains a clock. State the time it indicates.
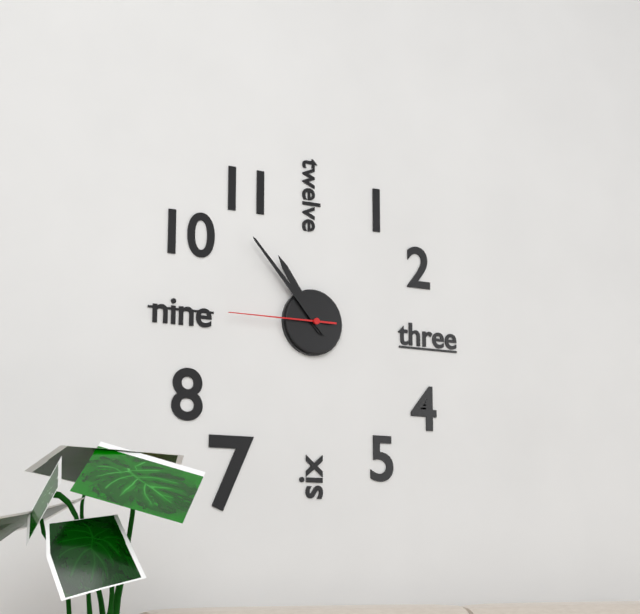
10:53:45
